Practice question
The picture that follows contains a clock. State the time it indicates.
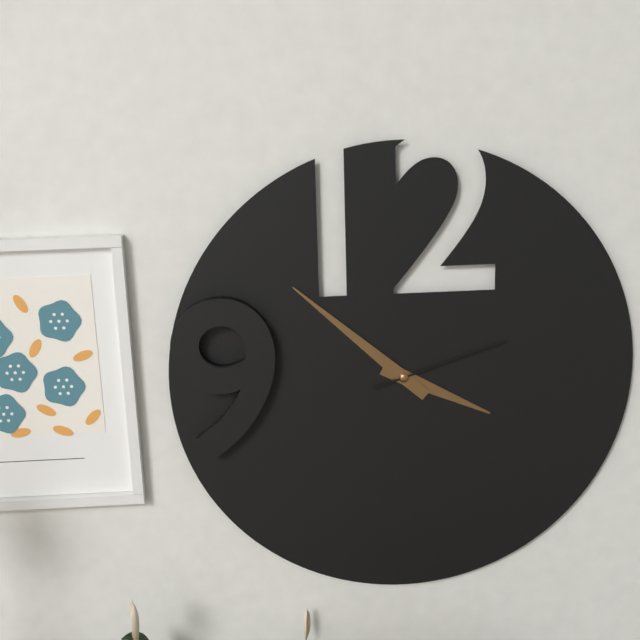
3:52:12
